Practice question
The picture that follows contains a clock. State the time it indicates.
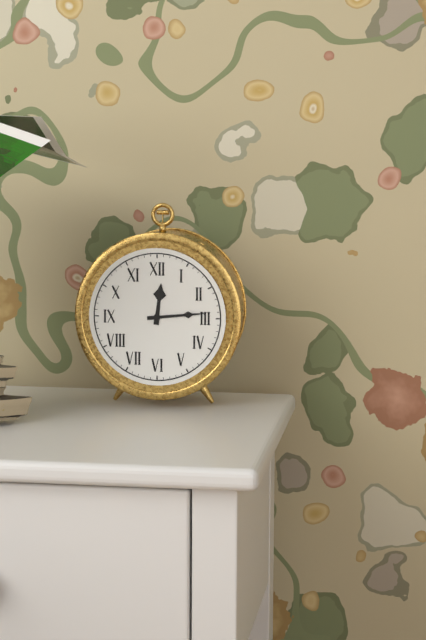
12:14
